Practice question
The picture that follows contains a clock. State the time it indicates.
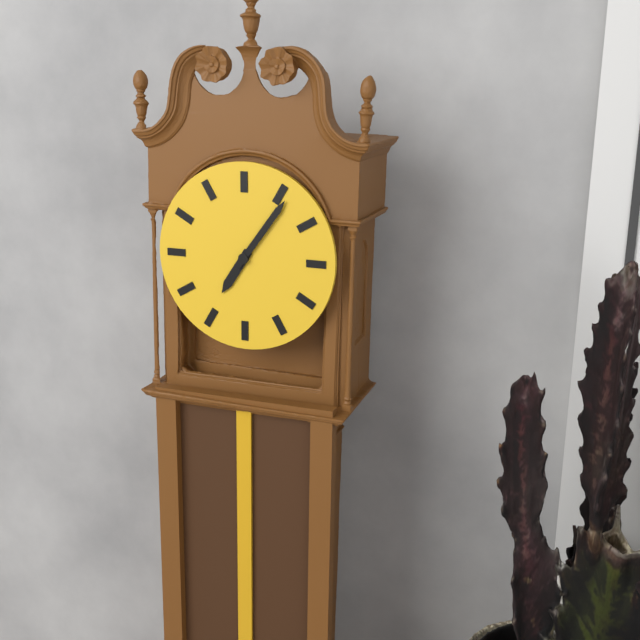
7:06
